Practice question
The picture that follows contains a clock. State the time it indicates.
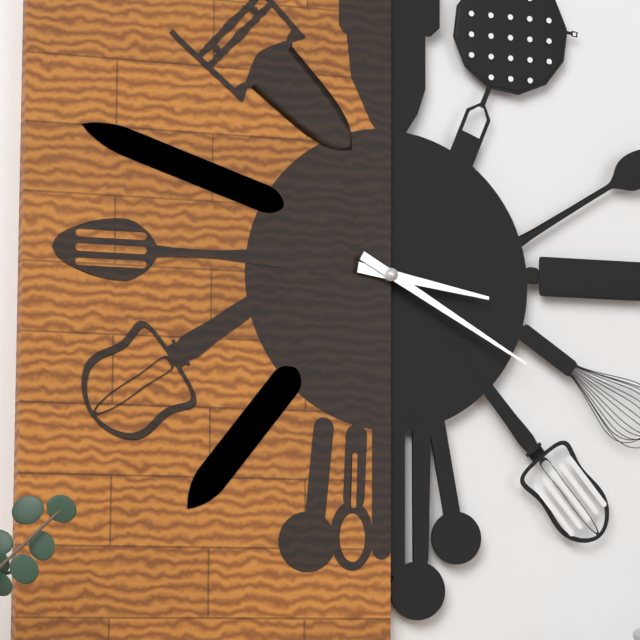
3:20
